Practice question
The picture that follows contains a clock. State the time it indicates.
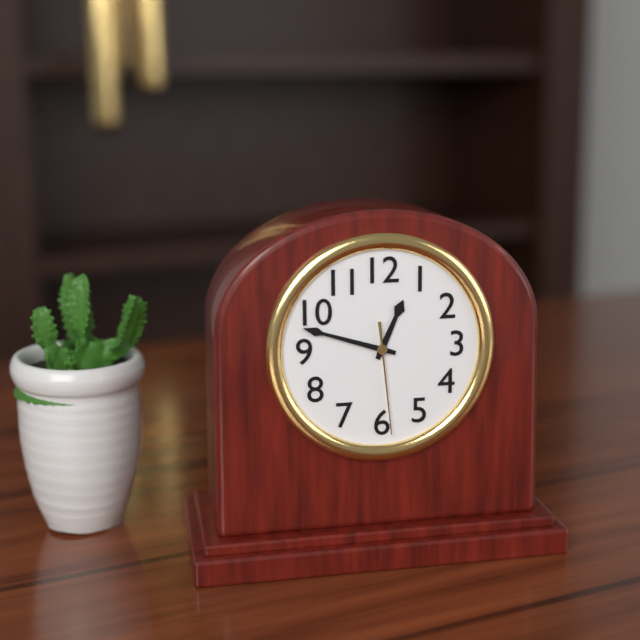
12:48:29
